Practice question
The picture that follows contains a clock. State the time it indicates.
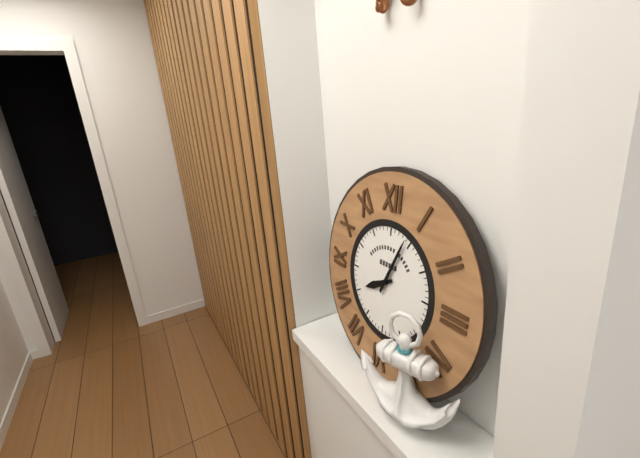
8:04
